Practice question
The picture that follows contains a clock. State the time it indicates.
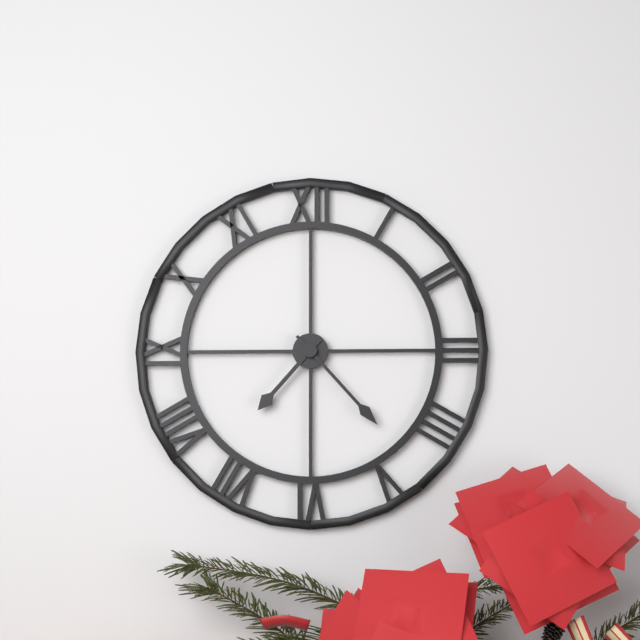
7:23
